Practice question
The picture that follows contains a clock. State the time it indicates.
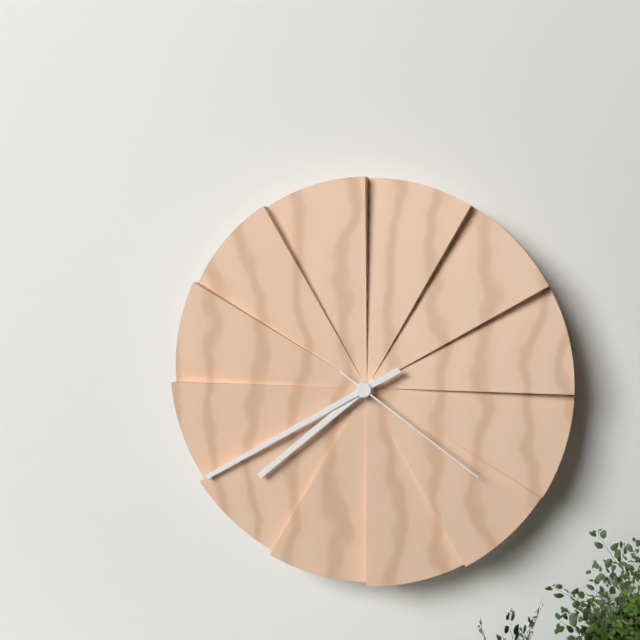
7:40:21
